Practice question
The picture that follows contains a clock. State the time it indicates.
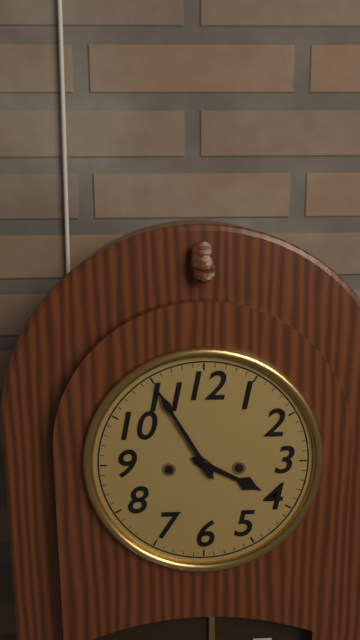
3:55
